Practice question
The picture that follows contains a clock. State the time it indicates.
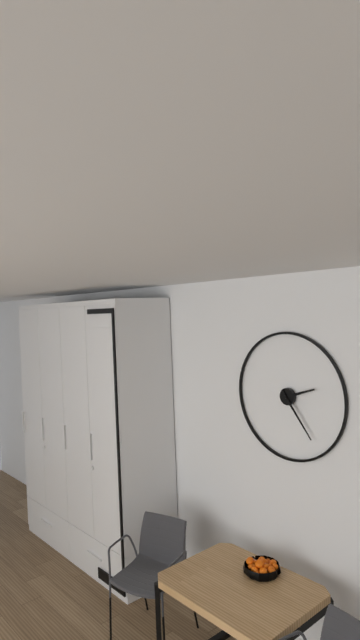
2:24
